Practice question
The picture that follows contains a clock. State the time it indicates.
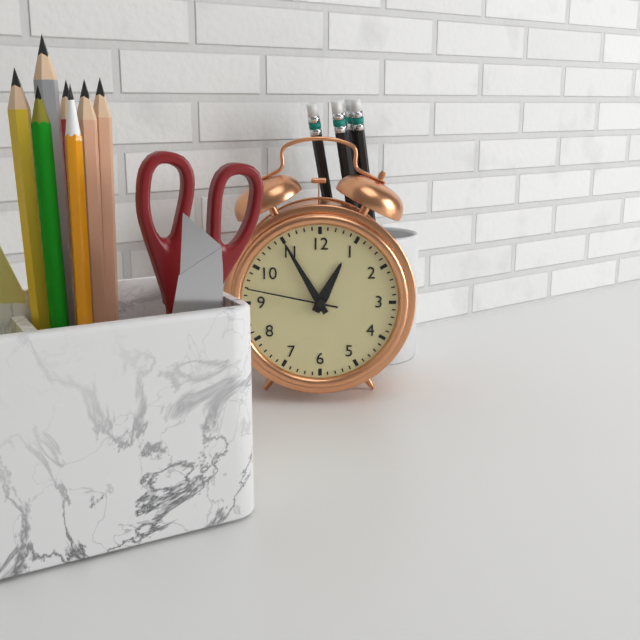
12:55:47
